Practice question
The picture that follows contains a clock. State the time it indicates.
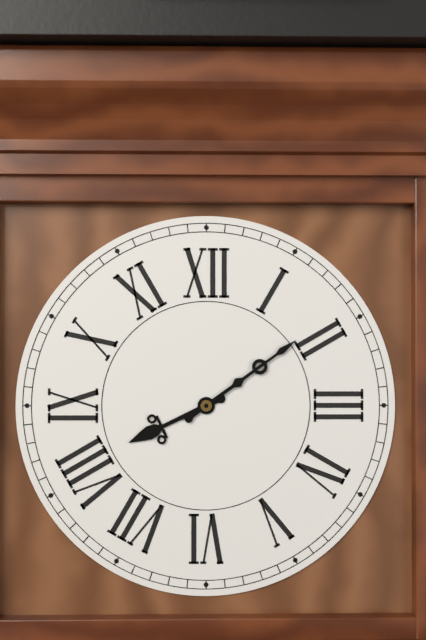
8:09
